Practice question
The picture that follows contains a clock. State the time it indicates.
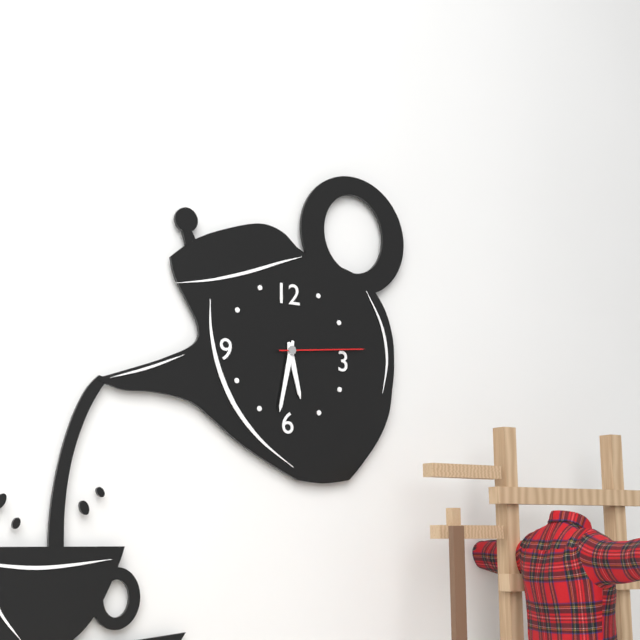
5:32:14
